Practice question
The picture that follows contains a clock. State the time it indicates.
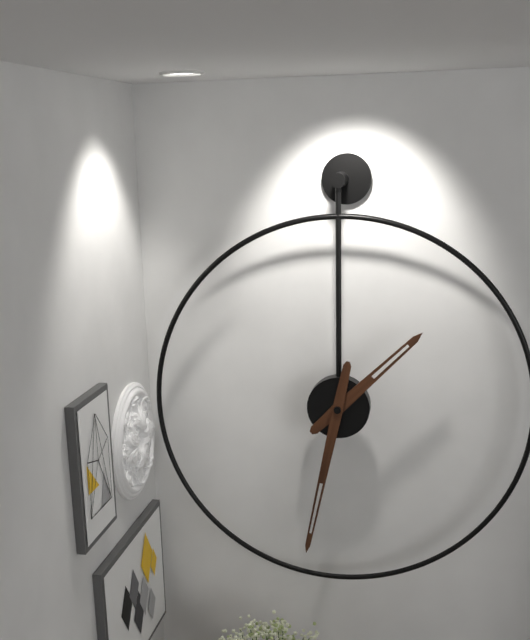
1:32
